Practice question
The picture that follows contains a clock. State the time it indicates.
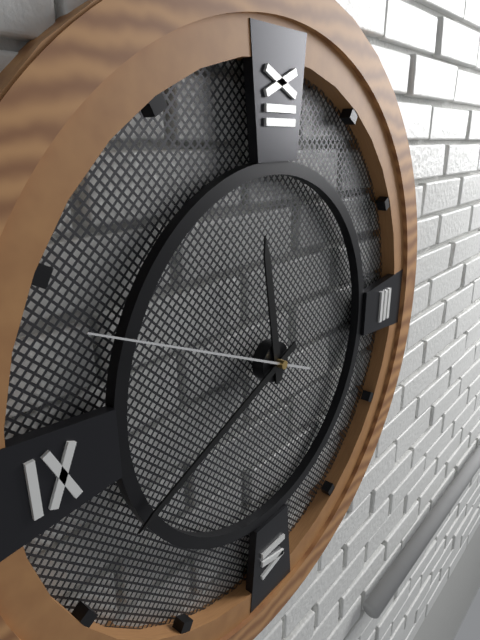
11:41:49
